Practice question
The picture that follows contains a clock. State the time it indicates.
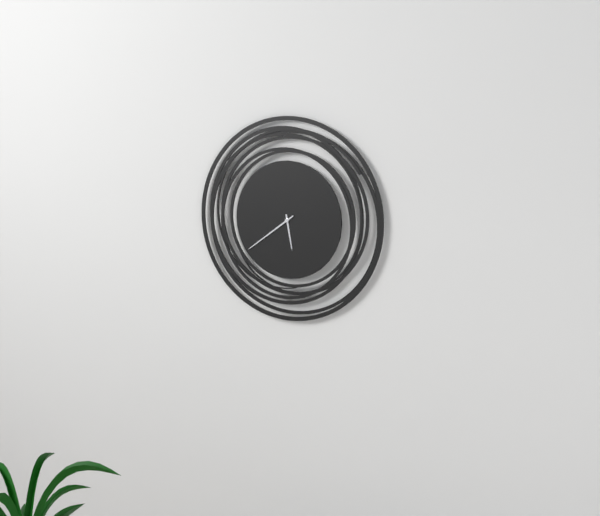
5:39
